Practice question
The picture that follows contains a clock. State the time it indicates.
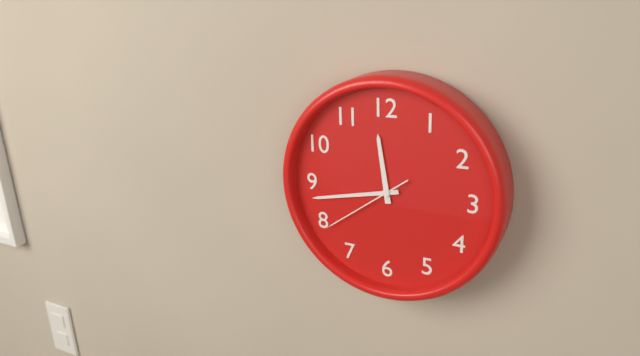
11:43:39
